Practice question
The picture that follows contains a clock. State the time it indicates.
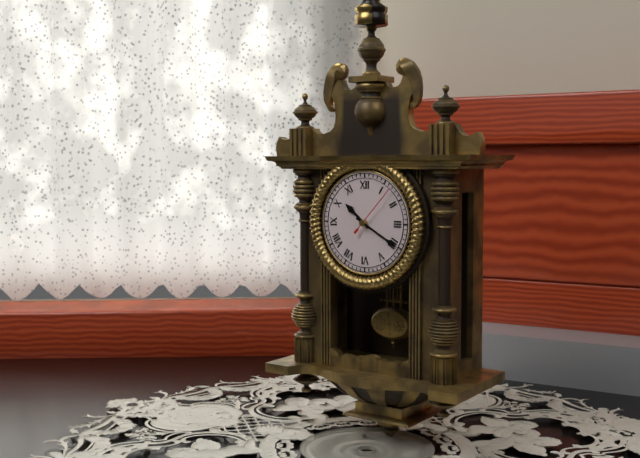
10:20:07
